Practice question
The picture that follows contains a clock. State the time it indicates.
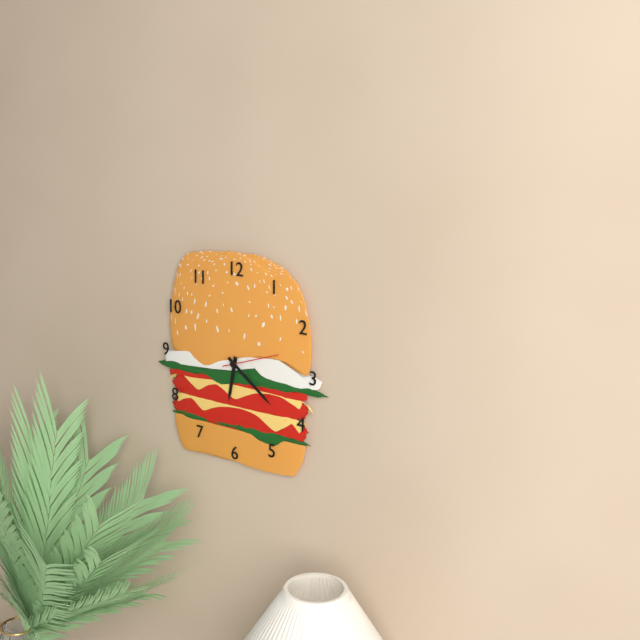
6:21:12
